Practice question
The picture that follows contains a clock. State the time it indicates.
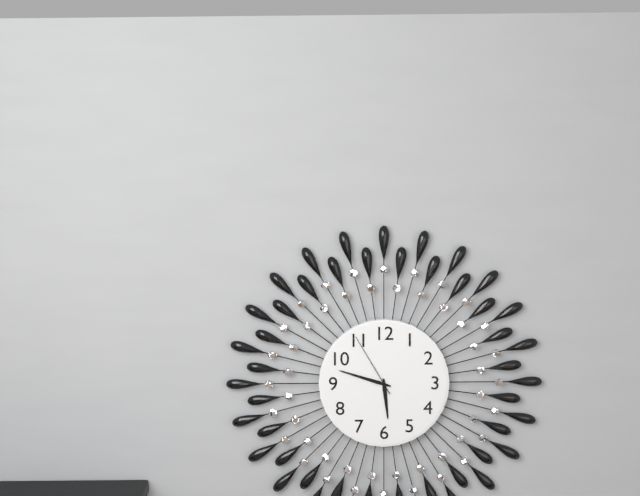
5:48:55
